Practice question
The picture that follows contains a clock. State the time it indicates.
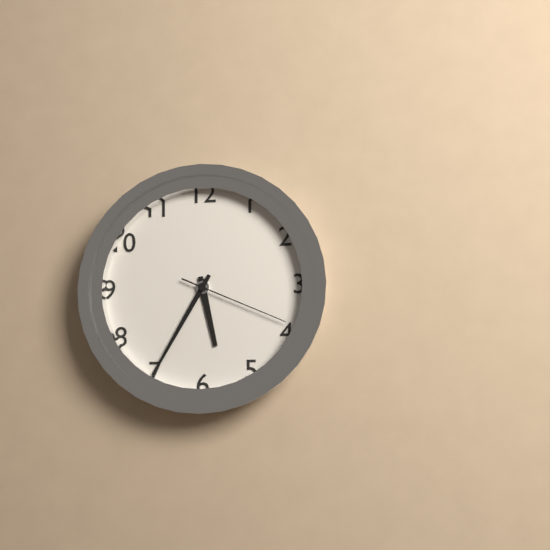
5:35:19
